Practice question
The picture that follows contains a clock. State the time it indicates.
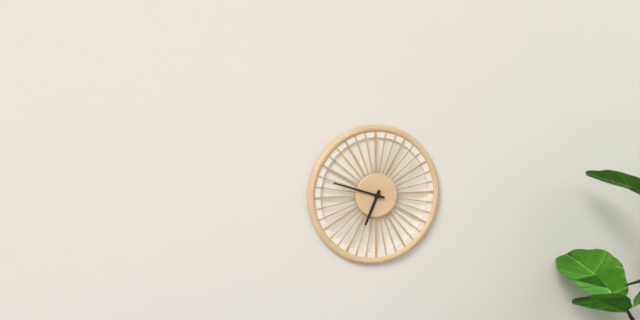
6:48
